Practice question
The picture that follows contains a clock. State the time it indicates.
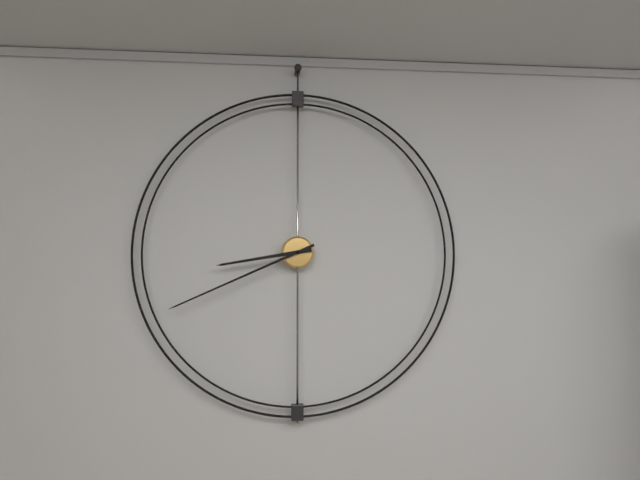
8:41
